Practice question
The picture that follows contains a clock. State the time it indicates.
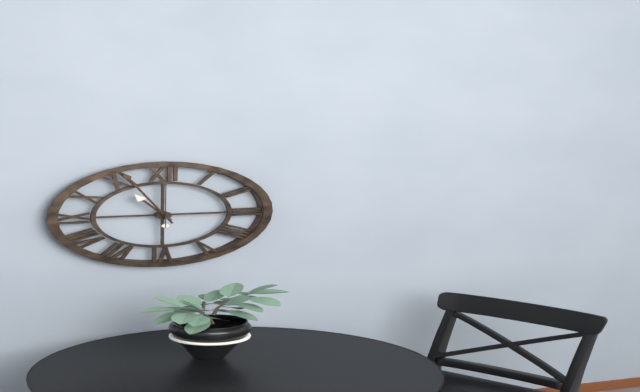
10:56
